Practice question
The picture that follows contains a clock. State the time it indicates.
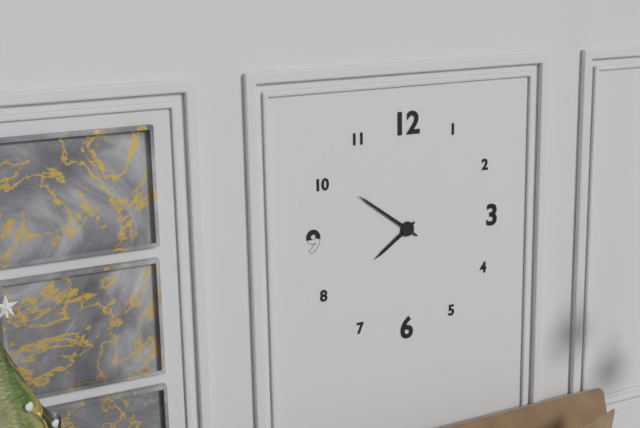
7:51
